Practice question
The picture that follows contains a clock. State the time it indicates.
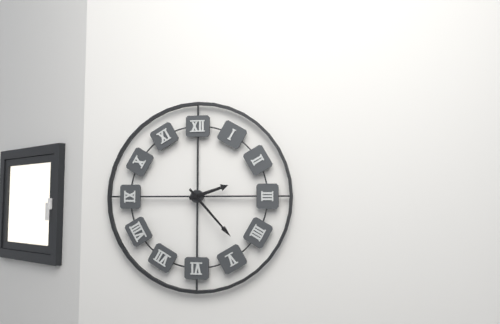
2:23
